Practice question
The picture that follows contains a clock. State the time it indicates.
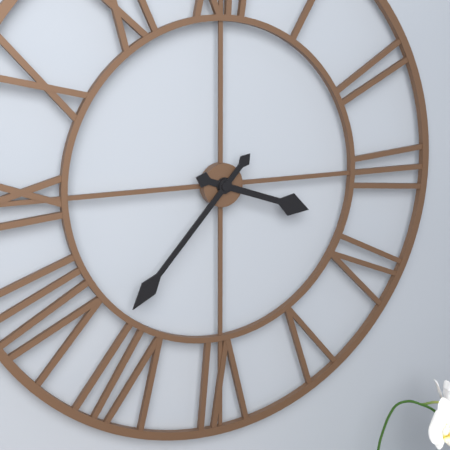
3:37
